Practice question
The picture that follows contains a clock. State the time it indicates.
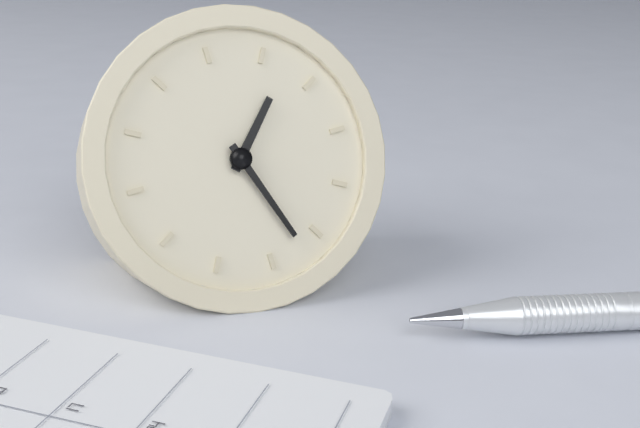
1:27
